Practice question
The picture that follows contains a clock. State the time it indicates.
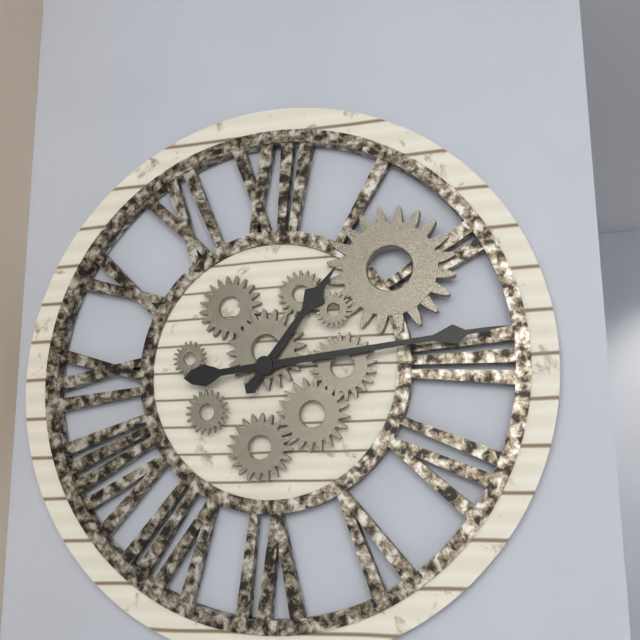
1:14
